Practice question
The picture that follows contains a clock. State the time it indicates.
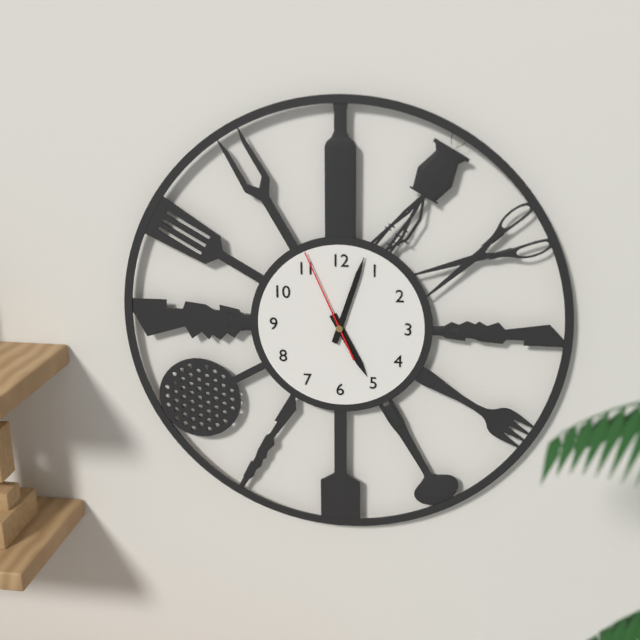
5:03:56
